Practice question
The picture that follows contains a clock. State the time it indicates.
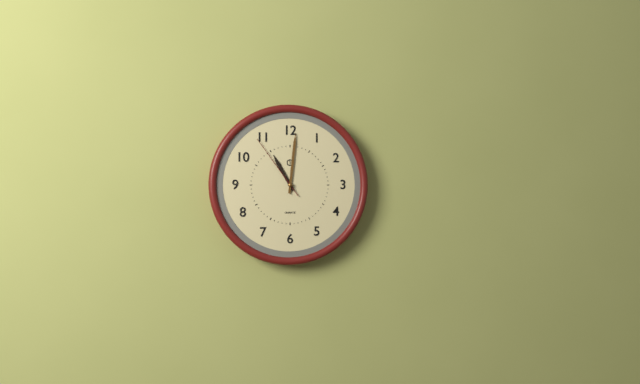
11:01:54
